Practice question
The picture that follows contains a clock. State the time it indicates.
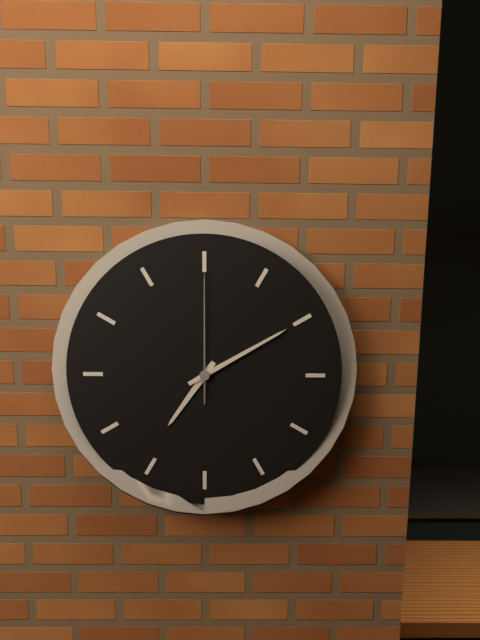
7:10:00
